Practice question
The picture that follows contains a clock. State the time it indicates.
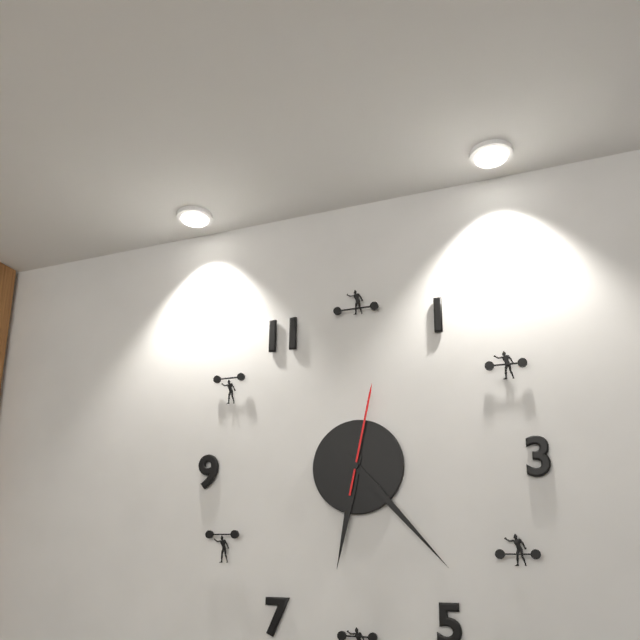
6:23:02
